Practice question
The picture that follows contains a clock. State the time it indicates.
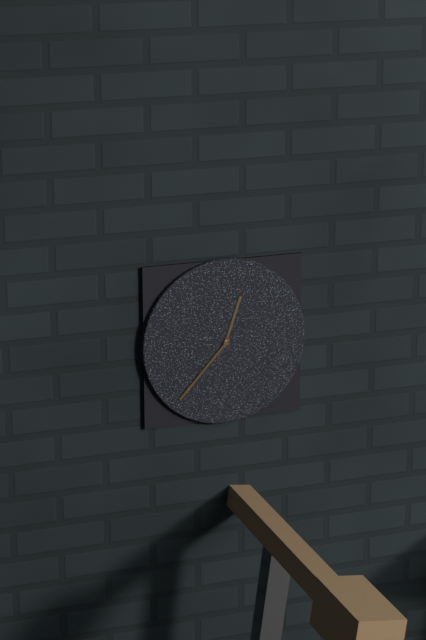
12:37
